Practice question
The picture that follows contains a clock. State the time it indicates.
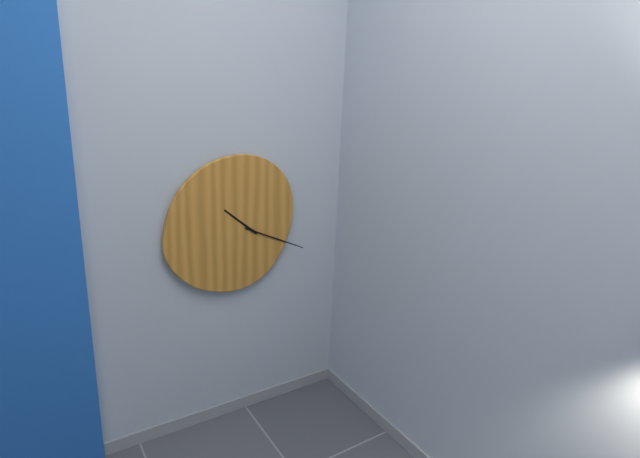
10:19
